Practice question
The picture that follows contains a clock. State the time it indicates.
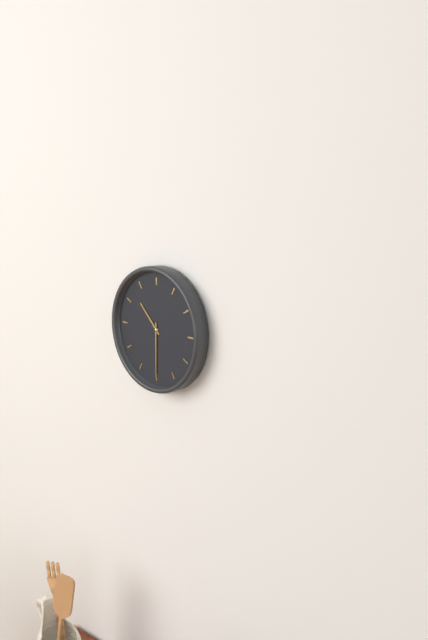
10:30
